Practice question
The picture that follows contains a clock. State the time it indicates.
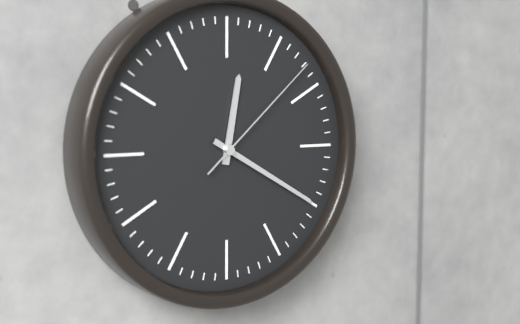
12:20:08
